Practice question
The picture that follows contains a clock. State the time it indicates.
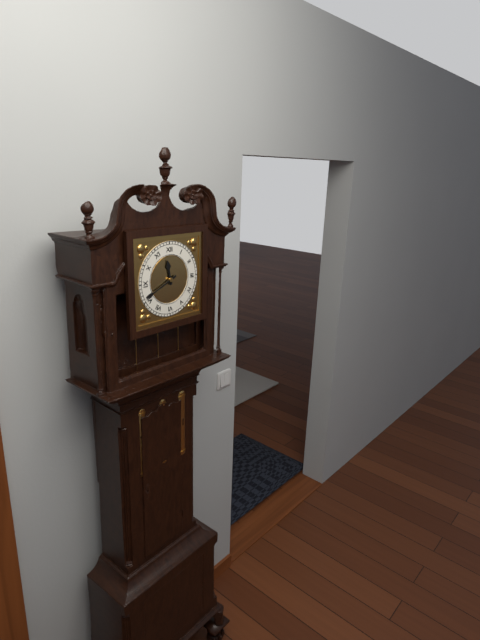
11:41
